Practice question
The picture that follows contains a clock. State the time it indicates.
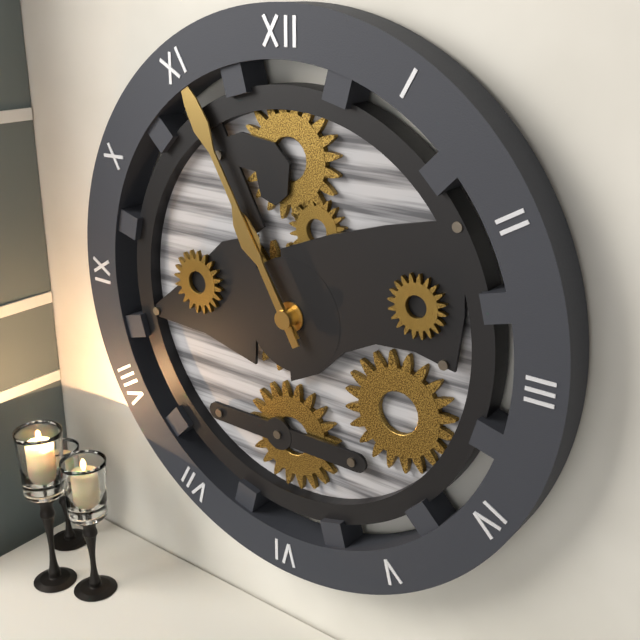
10:55
